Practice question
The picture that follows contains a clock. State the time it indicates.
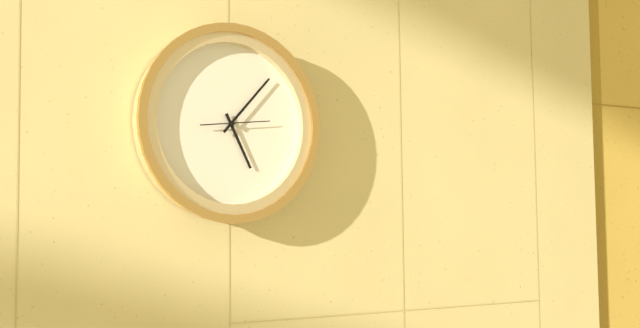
5:07:14
